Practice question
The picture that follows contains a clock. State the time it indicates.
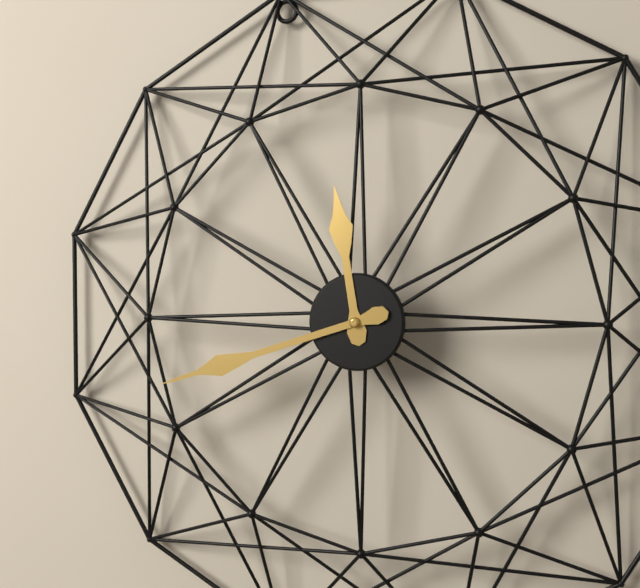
11:42
